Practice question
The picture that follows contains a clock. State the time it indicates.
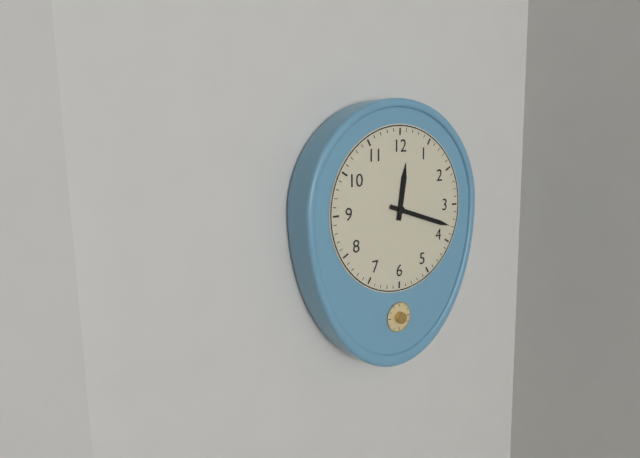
12:18
